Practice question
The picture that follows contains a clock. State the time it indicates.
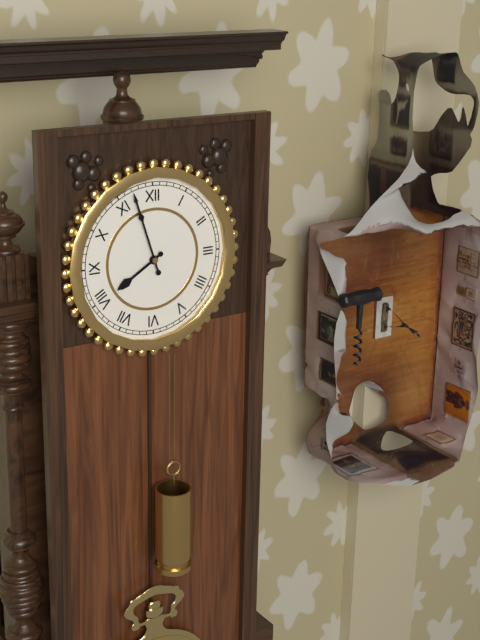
7:57
